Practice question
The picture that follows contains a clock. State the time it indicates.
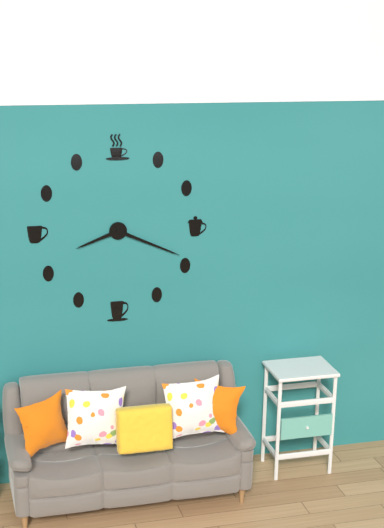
8:19
